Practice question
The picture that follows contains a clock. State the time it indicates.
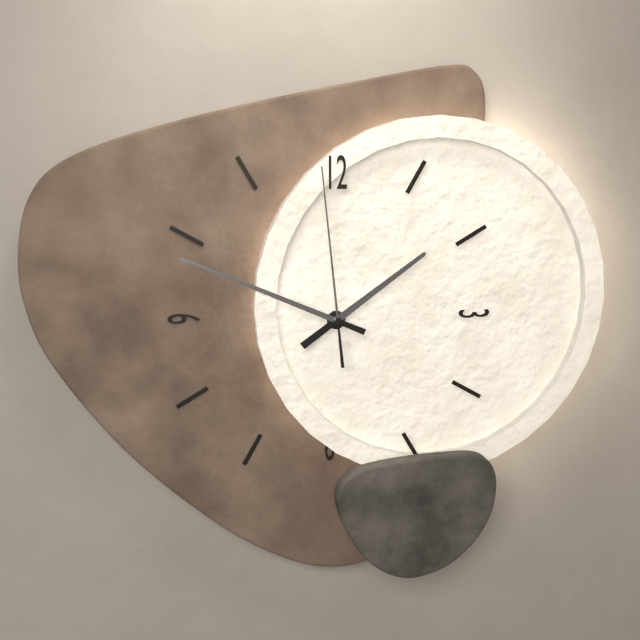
1:49:59
